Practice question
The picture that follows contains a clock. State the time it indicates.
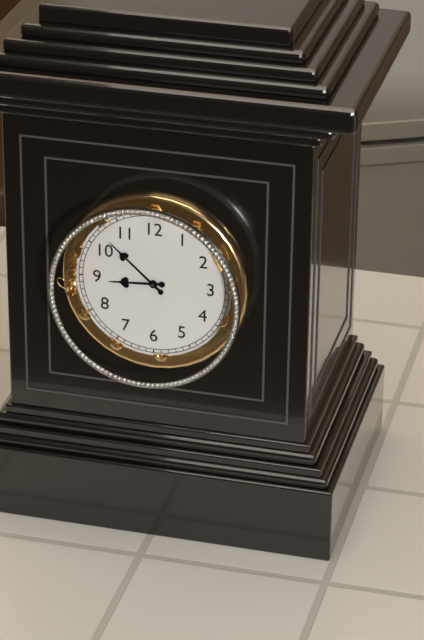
8:52
